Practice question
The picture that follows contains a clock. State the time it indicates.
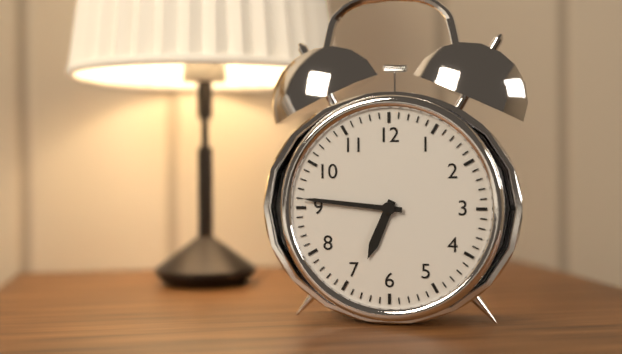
6:46
